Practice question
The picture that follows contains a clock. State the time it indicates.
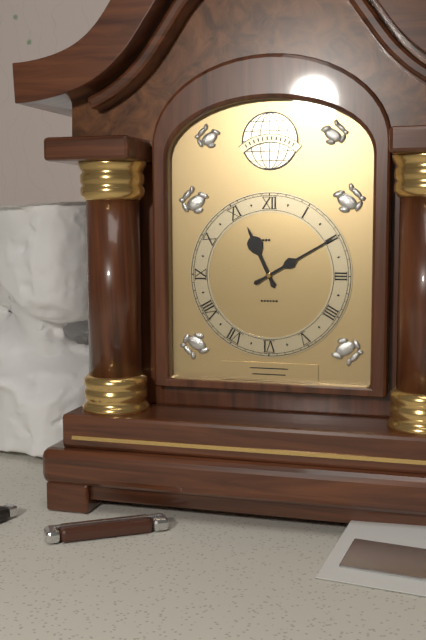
11:10
